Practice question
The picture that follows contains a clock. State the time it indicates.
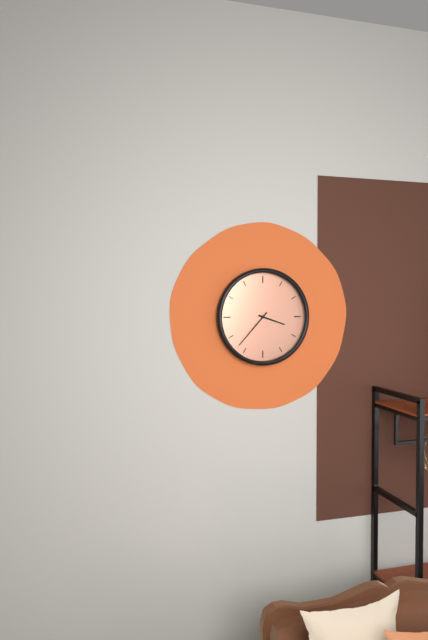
3:37
